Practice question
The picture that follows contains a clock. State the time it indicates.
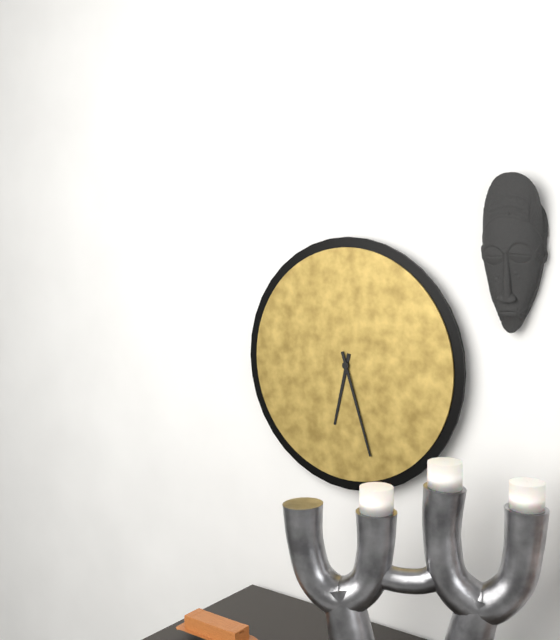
6:27
